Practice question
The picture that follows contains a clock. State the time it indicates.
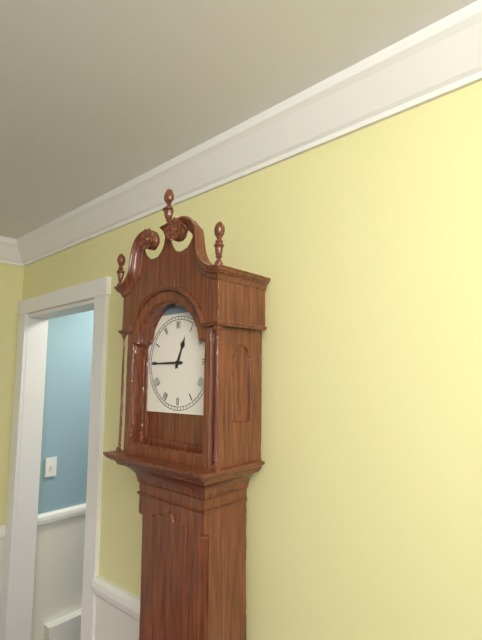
12:45
